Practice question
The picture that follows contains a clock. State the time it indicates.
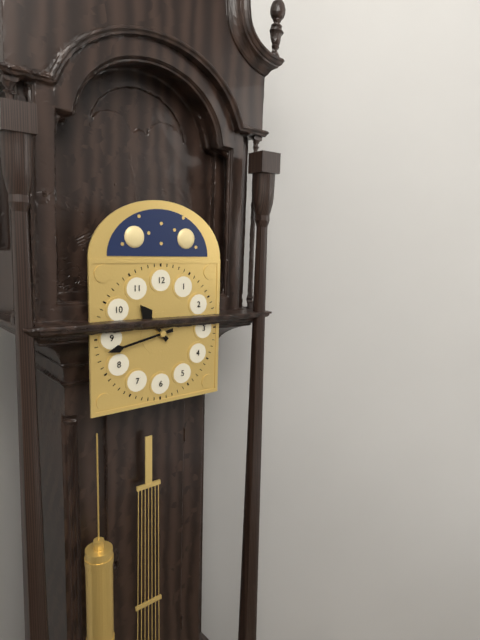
10:43
